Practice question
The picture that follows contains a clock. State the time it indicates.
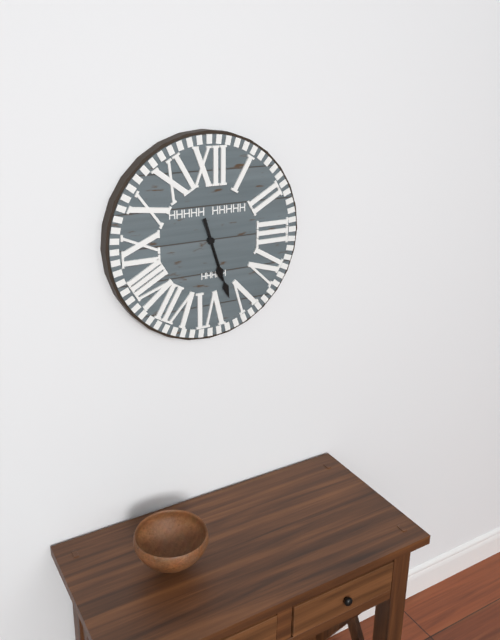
5:27
